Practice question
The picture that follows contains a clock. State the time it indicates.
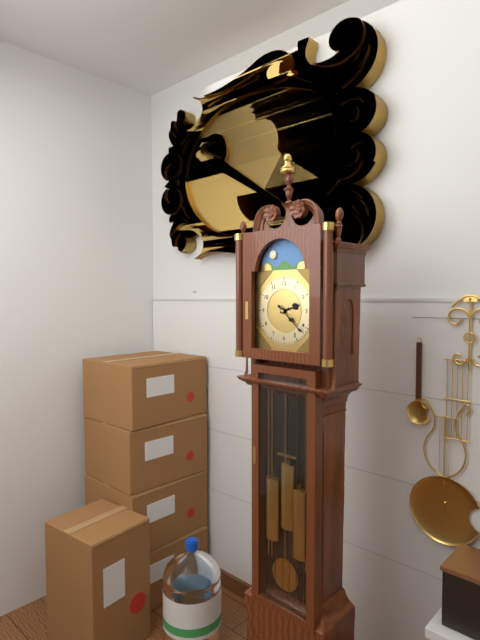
2:22
